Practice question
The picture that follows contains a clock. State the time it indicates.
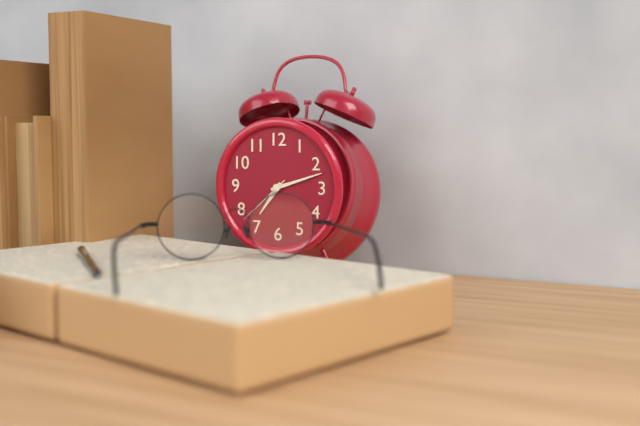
7:12:38
